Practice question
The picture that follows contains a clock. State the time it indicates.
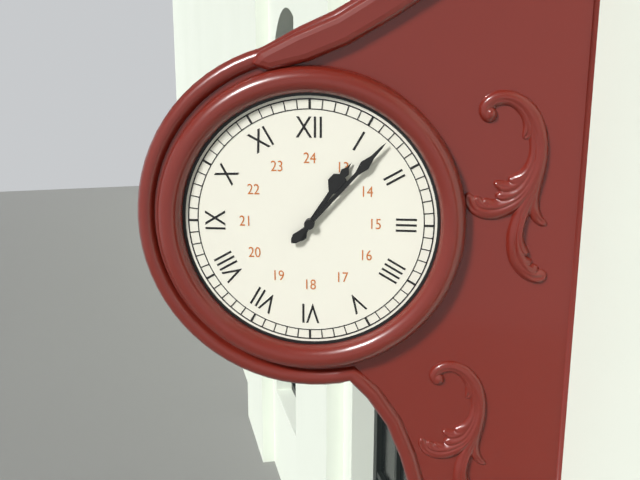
1:07
